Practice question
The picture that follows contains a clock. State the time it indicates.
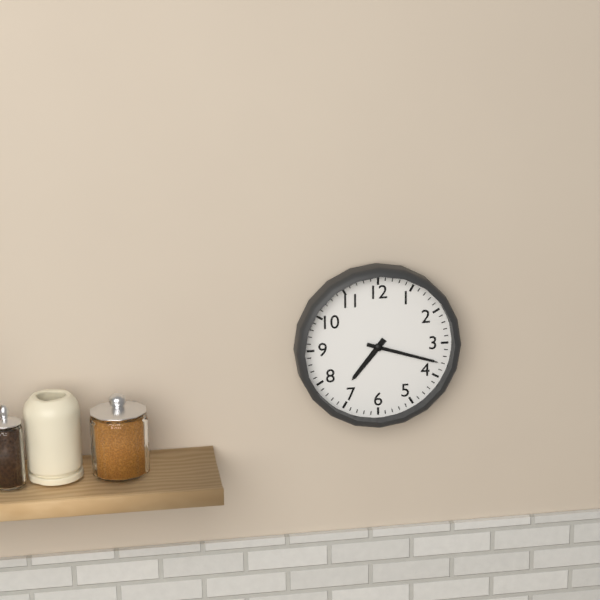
7:18
